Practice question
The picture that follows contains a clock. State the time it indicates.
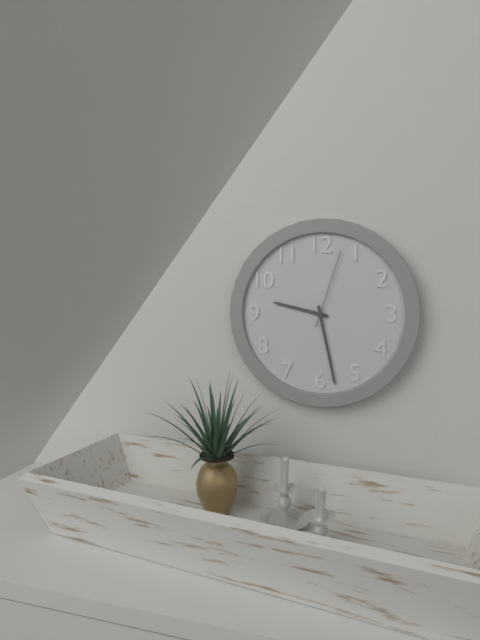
9:28:03
